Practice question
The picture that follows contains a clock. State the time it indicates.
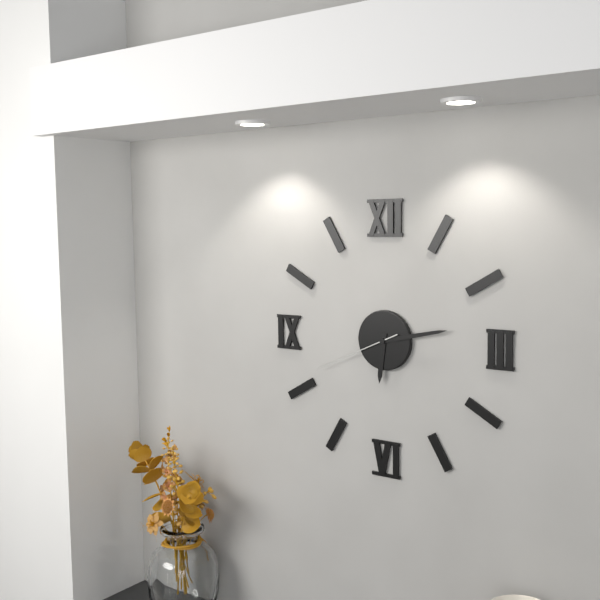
6:13:41
